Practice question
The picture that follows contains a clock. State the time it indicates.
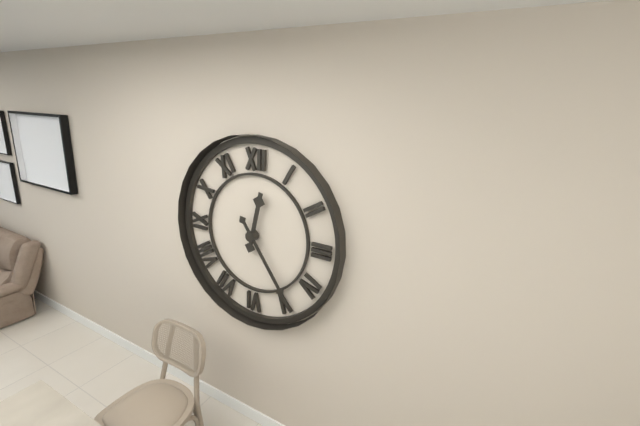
12:24
